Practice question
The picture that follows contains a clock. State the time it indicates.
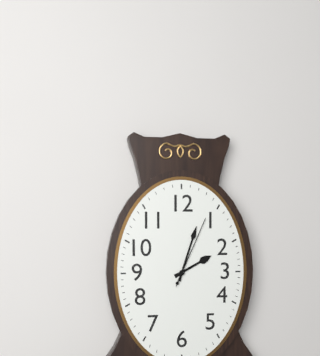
2:03:04
